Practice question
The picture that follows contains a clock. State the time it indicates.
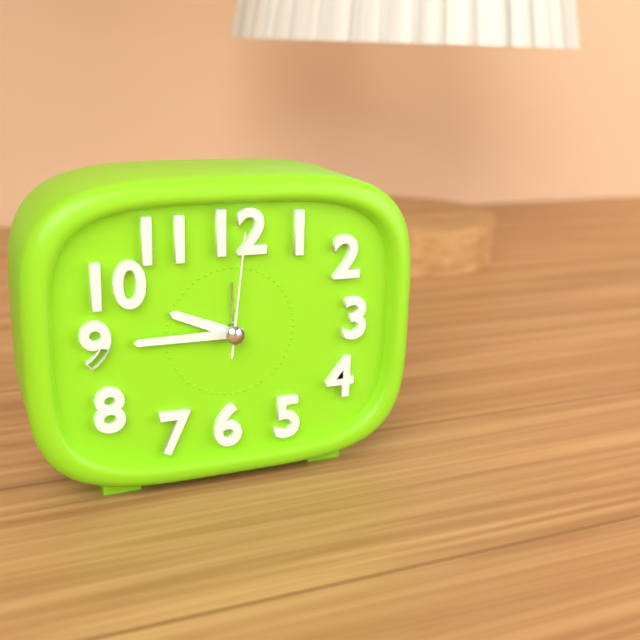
9:45:01
